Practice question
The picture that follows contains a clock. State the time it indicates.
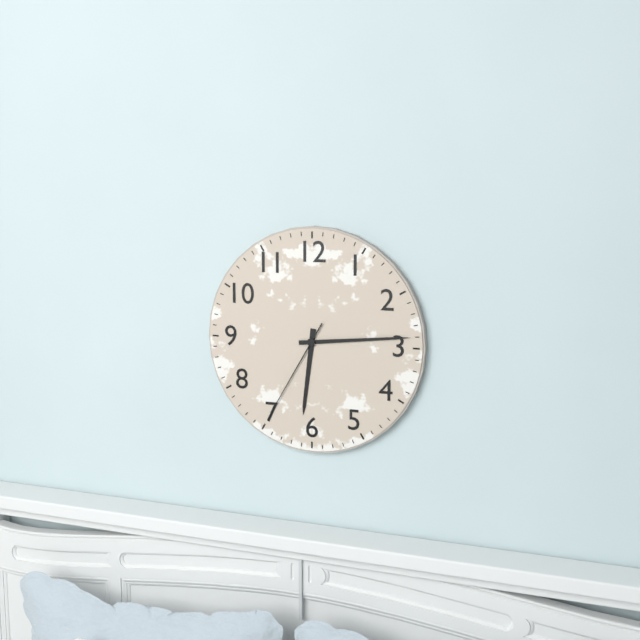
6:14:35
